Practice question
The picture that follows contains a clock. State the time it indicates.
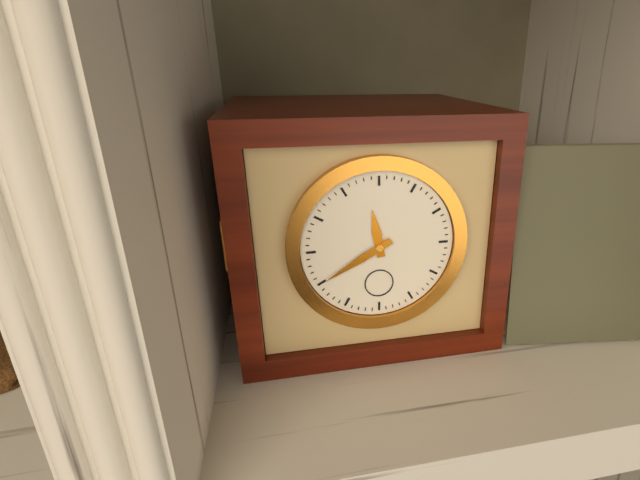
11:40
